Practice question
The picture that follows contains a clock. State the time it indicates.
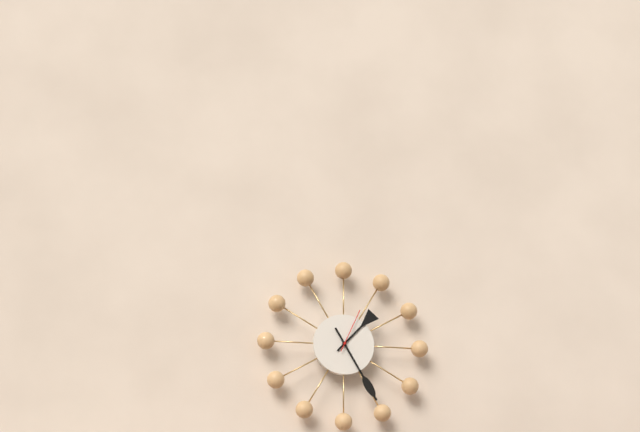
1:25
